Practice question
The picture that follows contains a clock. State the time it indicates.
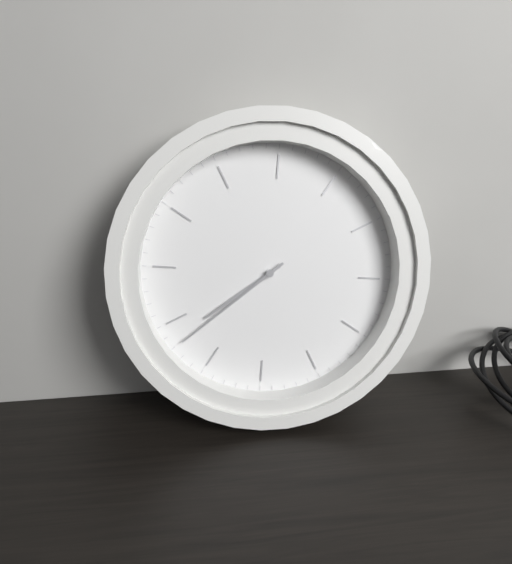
8:43
